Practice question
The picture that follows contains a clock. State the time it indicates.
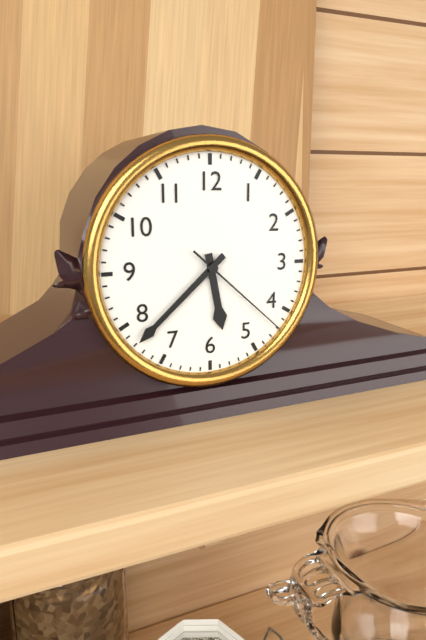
5:38:22
